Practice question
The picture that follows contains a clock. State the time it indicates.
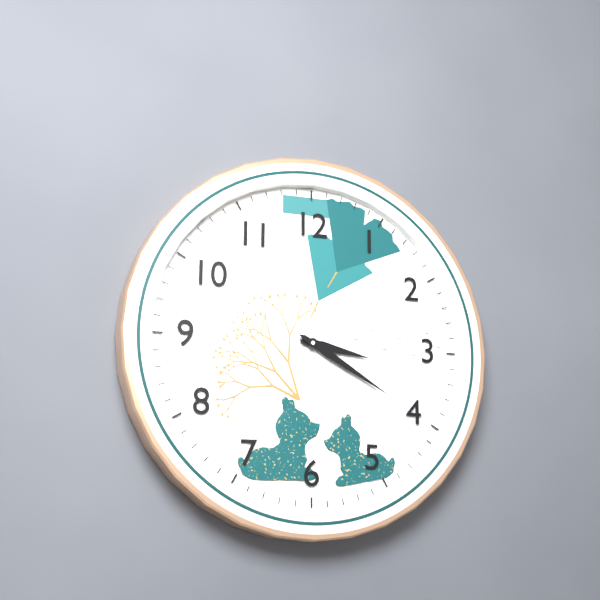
3:20
